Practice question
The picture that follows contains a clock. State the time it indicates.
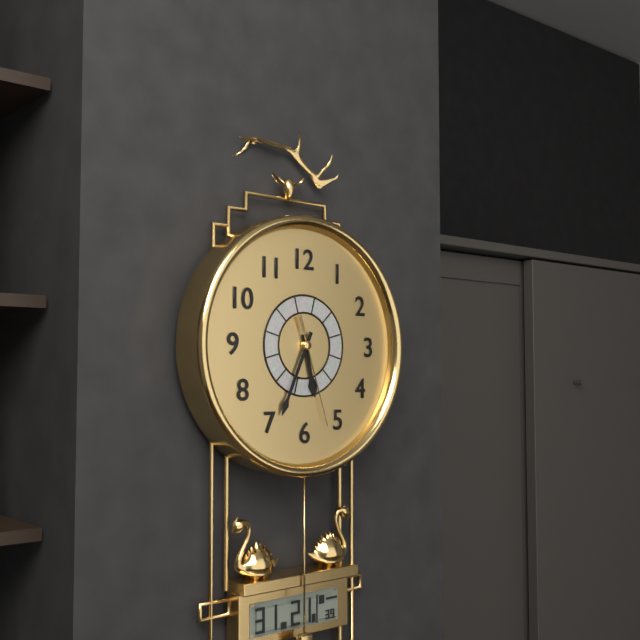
5:34:27
